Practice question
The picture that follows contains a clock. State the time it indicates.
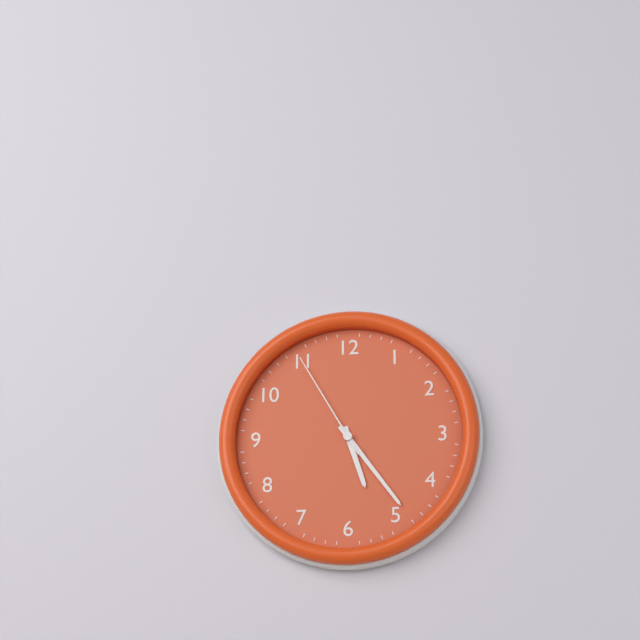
5:24:55
